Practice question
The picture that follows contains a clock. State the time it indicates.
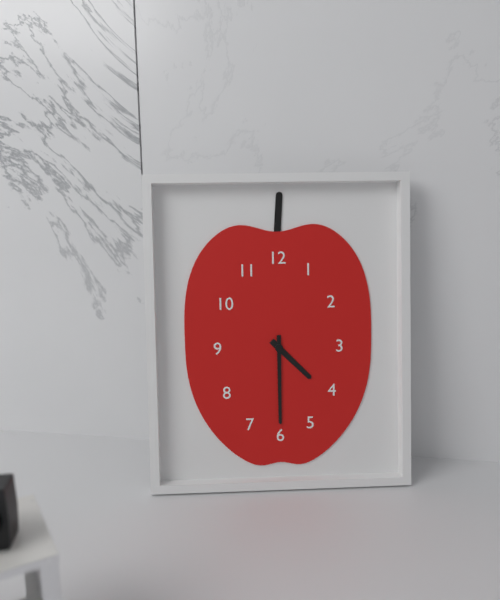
4:30
